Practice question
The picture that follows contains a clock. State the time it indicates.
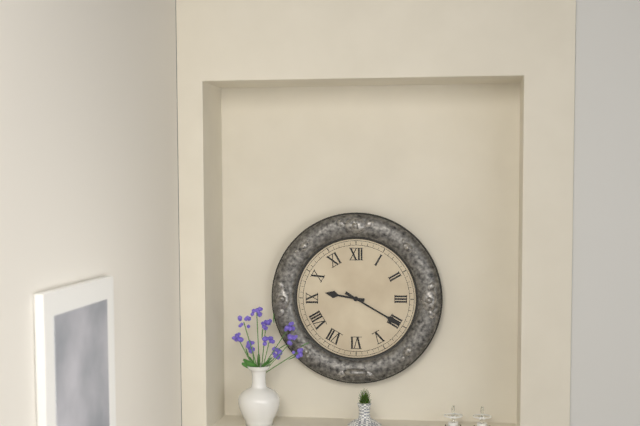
9:20
